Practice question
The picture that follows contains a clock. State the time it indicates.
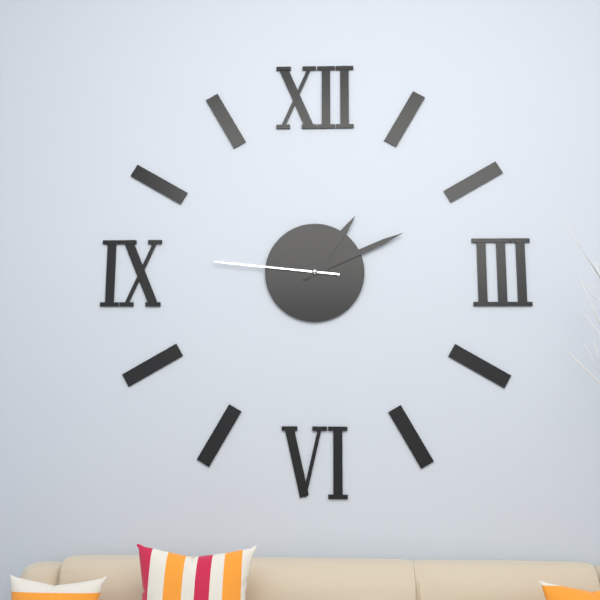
1:11:46
